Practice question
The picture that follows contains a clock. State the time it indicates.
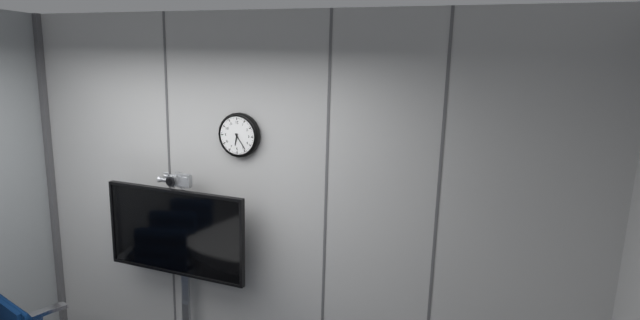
6:24
